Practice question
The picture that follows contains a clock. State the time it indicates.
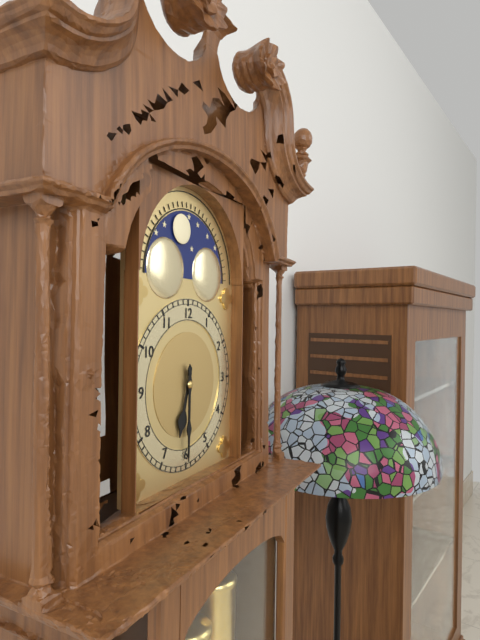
6:30
